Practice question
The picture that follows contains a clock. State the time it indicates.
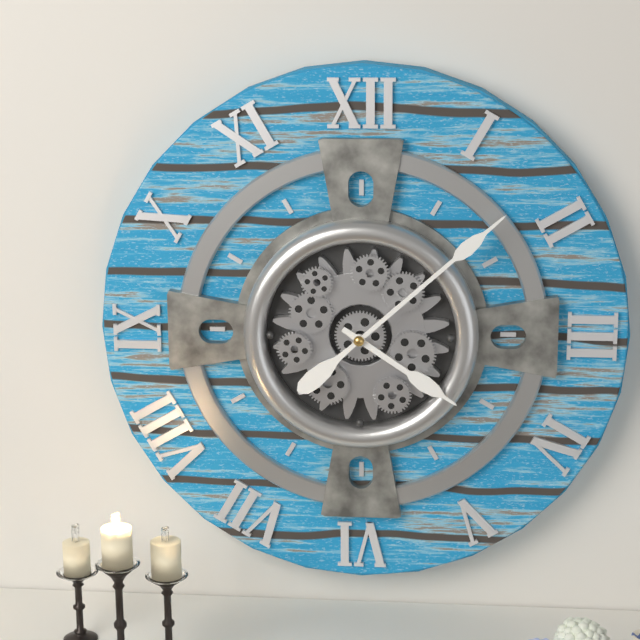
4:08
